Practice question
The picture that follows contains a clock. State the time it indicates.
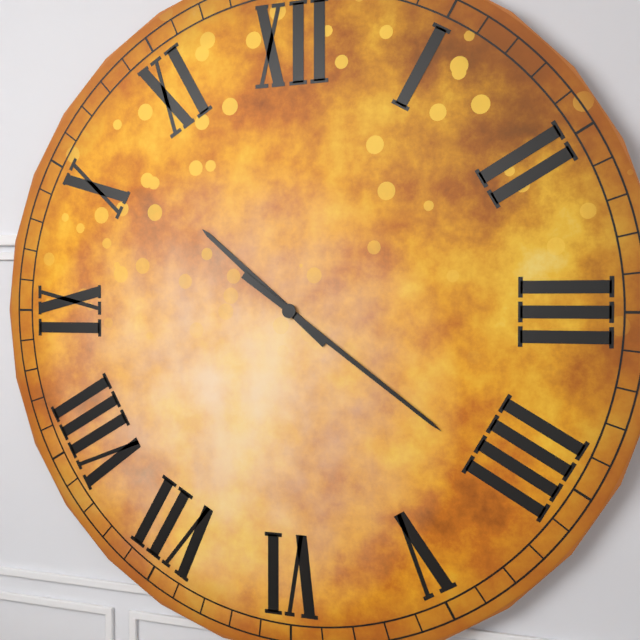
10:21
